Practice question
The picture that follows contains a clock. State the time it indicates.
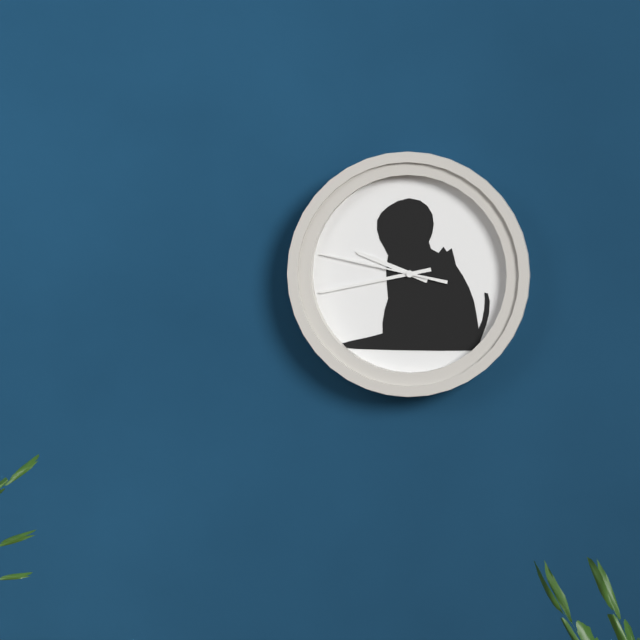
9:43:47
